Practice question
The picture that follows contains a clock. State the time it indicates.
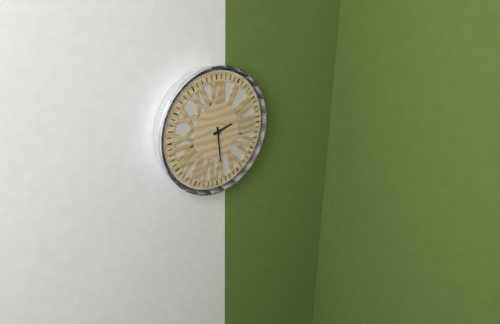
2:29
